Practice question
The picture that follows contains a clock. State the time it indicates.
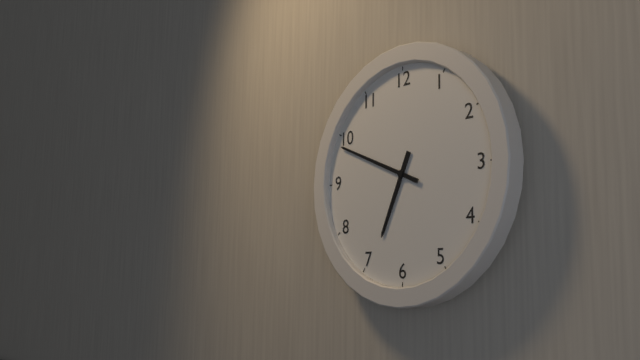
6:49
